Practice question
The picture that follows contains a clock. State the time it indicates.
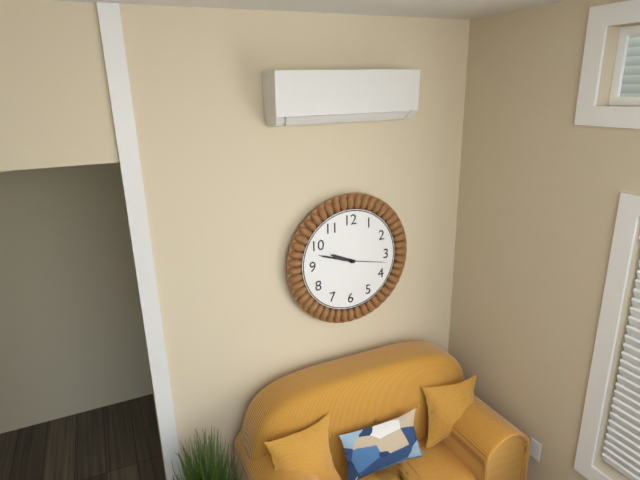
9:48
